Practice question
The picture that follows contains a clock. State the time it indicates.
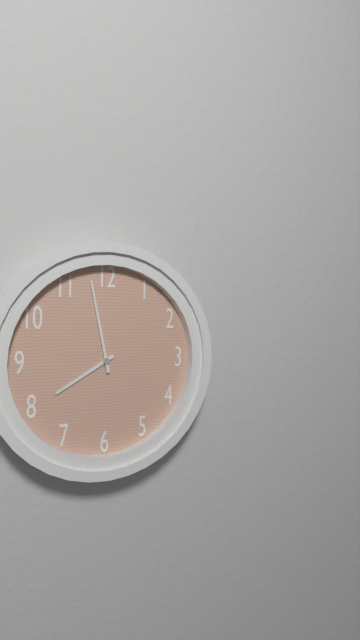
7:58
